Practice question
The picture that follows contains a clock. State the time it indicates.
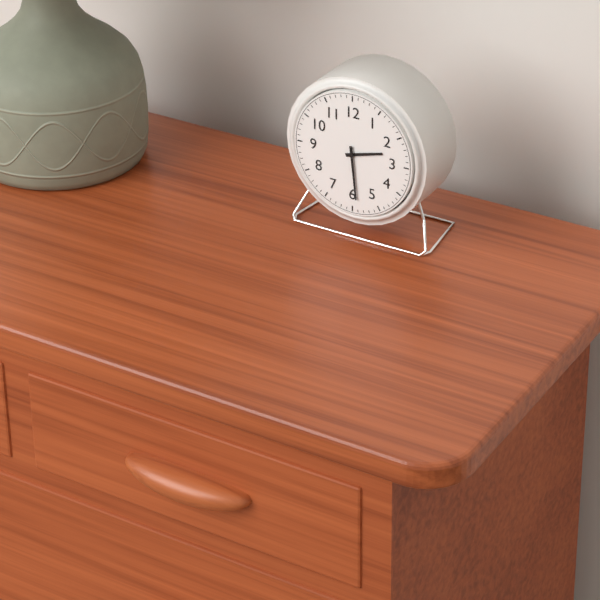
2:29
